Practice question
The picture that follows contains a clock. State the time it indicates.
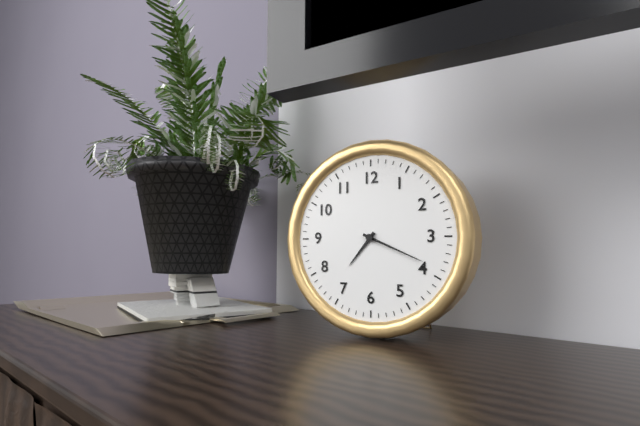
7:19
